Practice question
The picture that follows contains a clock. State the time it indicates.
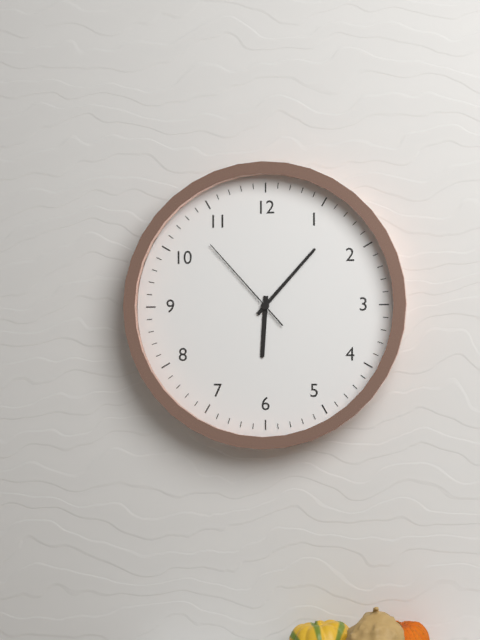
6:07:53
